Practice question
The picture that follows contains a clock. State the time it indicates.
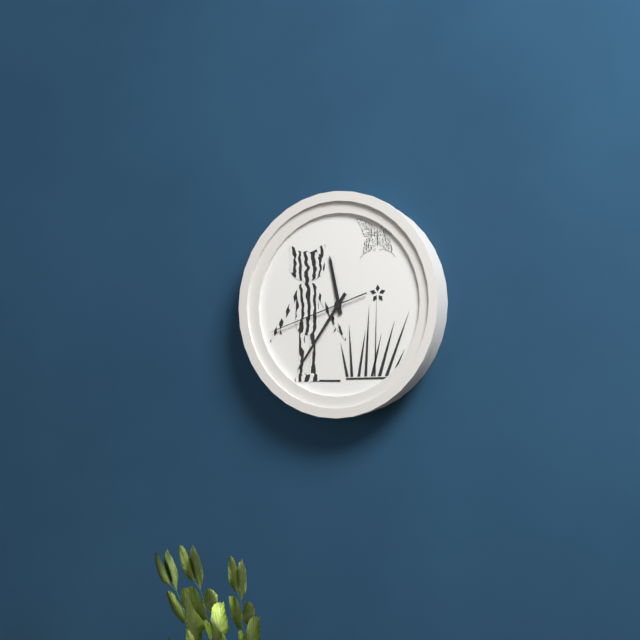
11:36:42
